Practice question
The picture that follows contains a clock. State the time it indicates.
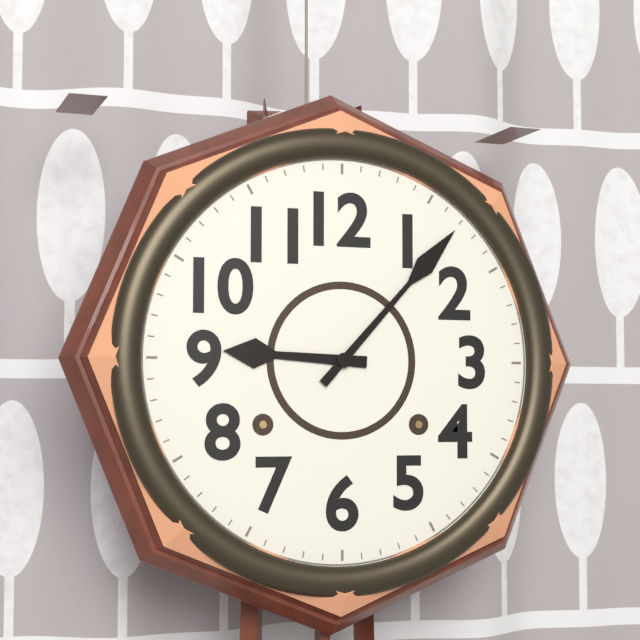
9:07
